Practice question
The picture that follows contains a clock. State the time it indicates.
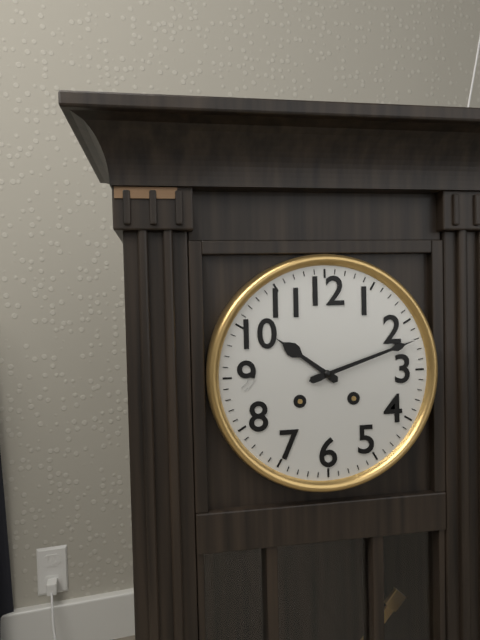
10:12
